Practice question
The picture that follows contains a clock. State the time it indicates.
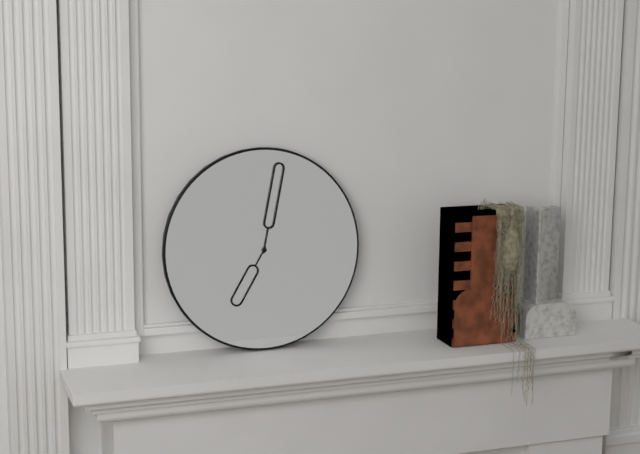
7:02
